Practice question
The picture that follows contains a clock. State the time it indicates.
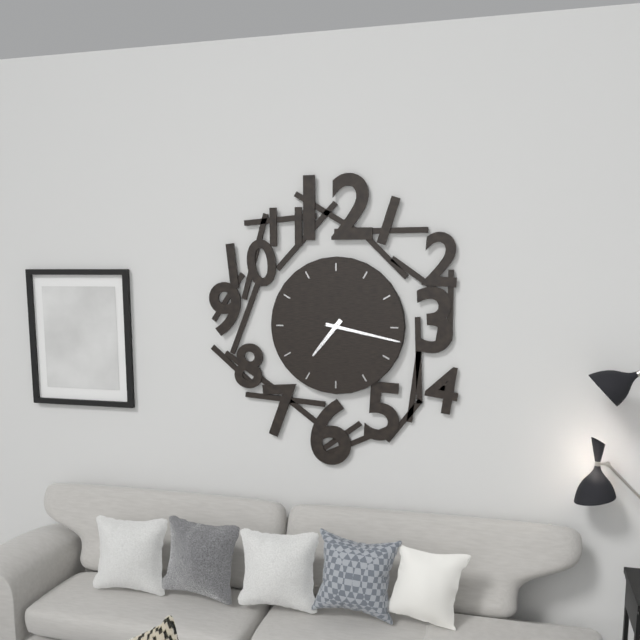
7:17
